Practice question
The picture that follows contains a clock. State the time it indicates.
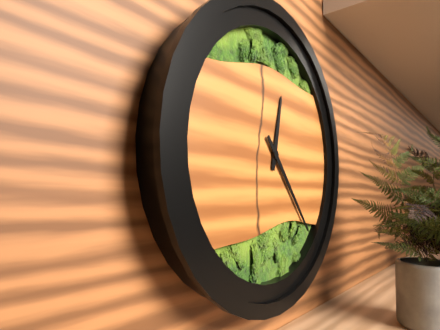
12:23
